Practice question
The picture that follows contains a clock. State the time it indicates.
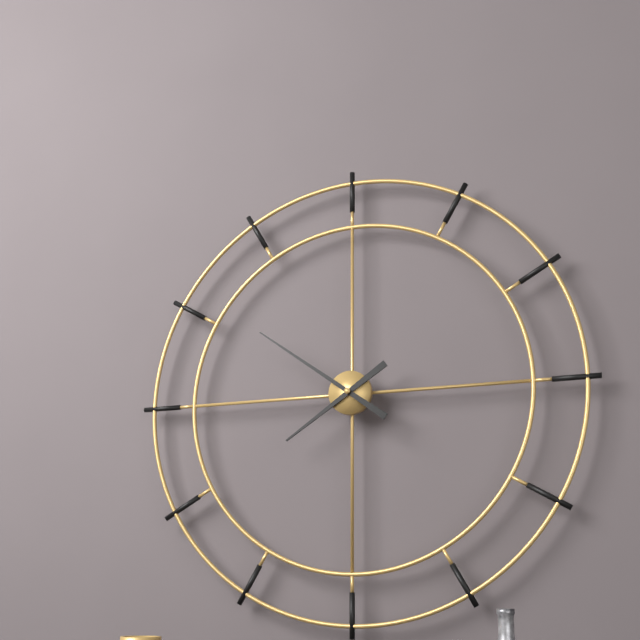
7:51
